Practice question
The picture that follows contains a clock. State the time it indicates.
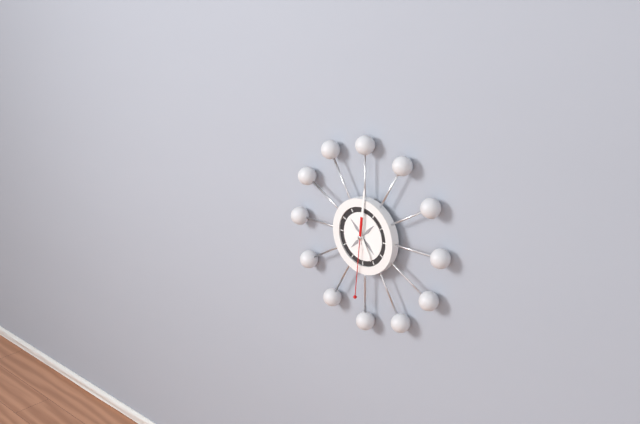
5:01:31
